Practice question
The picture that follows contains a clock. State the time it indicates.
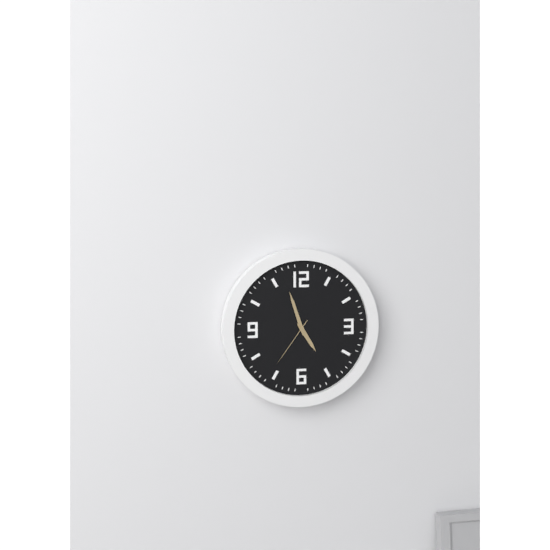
4:57:36
